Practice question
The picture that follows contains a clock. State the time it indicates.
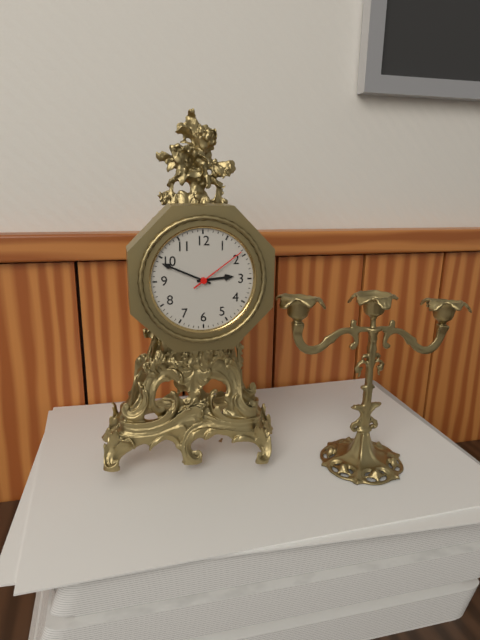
2:49:09
